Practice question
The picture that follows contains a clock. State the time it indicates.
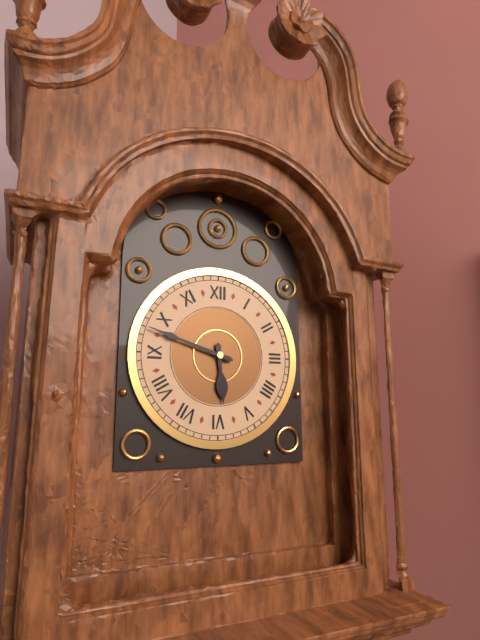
5:48
